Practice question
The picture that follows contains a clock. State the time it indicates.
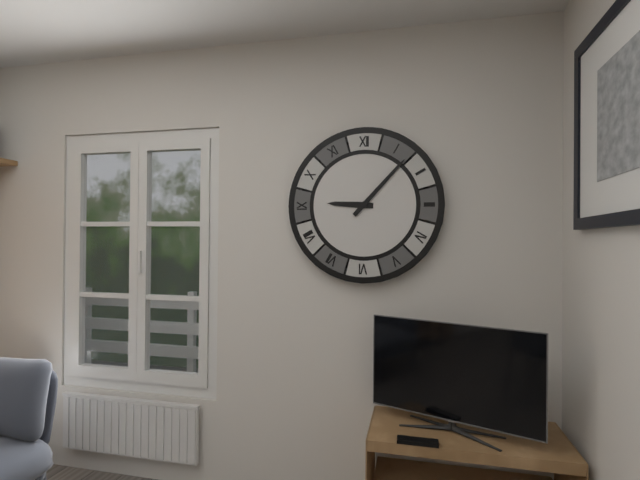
9:07
